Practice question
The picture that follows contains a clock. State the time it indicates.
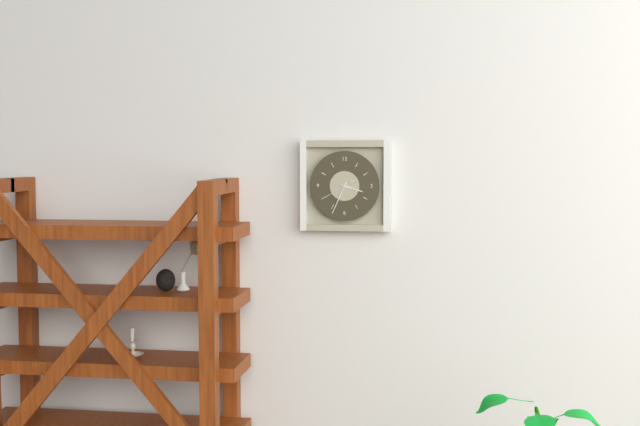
3:34
